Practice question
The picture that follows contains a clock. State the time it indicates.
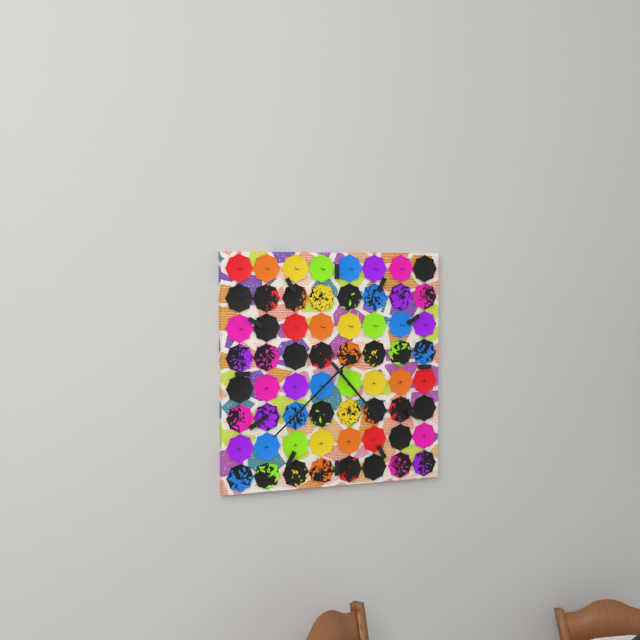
4:38
